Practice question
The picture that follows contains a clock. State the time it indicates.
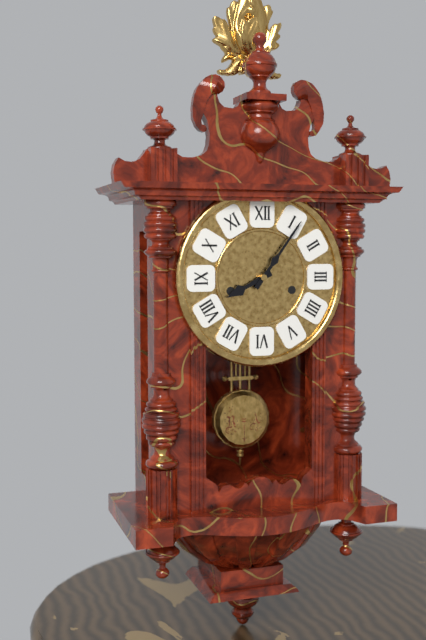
8:06
